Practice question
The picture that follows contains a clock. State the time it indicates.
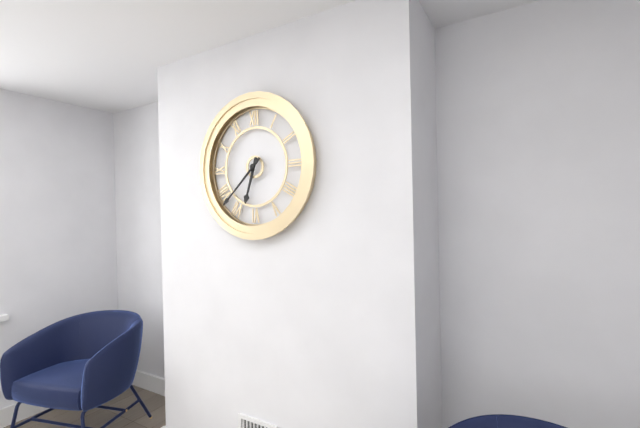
6:38
